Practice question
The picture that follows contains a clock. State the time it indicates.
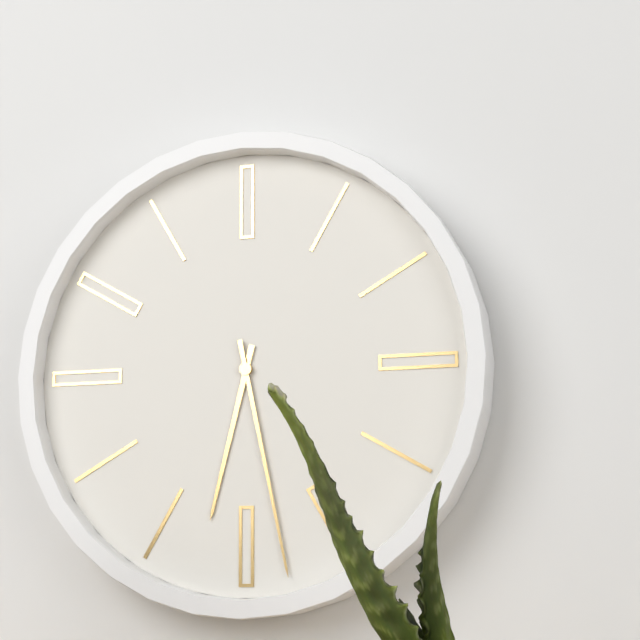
6:28
